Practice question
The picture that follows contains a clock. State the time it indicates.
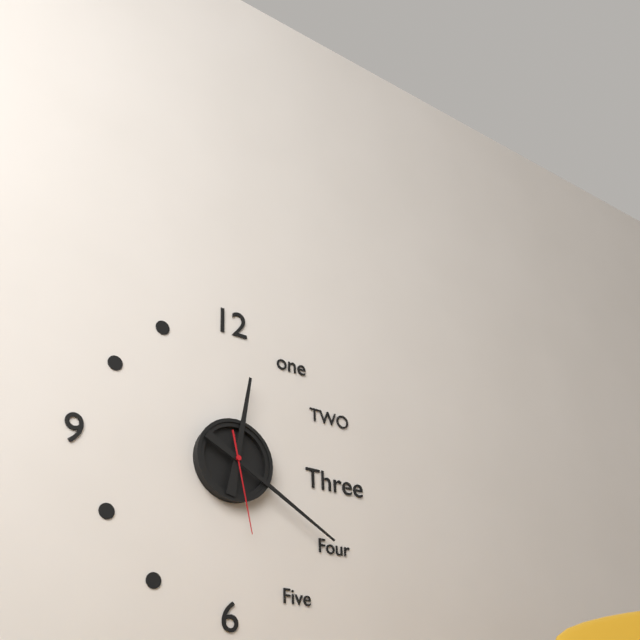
12:20:28
